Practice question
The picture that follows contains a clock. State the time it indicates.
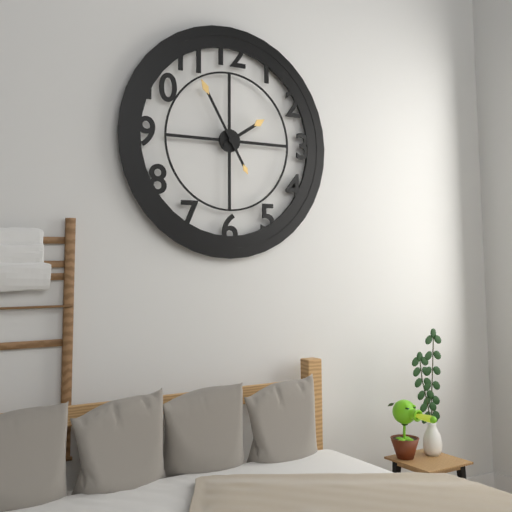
1:55
